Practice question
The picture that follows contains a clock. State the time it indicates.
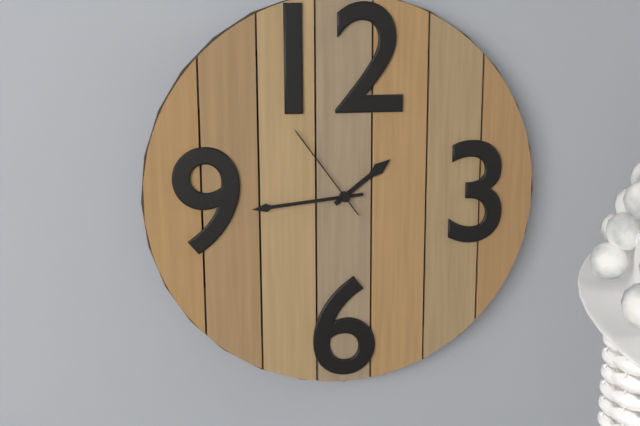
1:44:54
